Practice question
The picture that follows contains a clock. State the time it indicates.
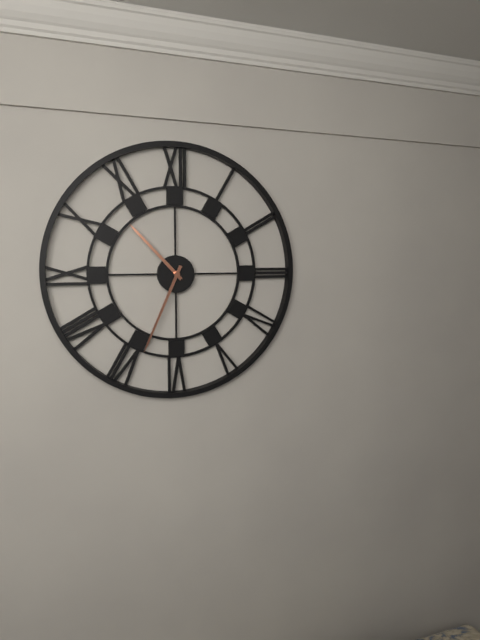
10:34
